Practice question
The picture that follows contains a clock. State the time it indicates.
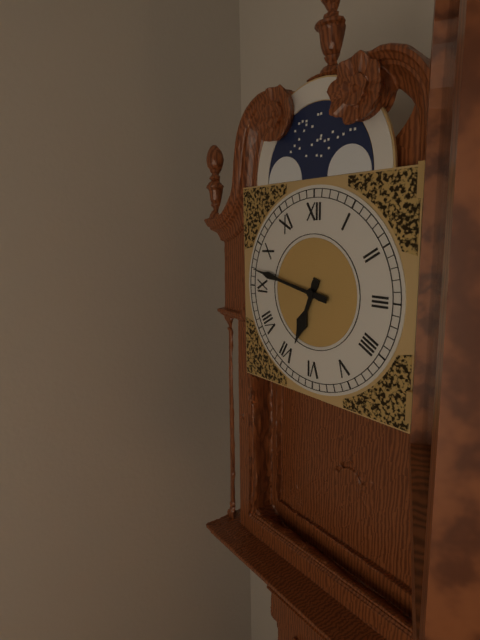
6:47
